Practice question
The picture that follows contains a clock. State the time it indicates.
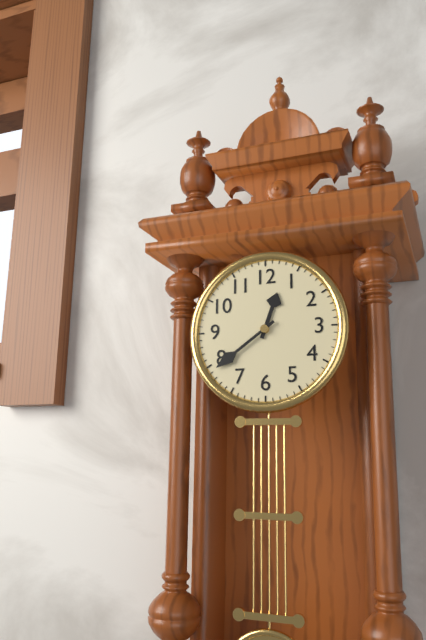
12:39
